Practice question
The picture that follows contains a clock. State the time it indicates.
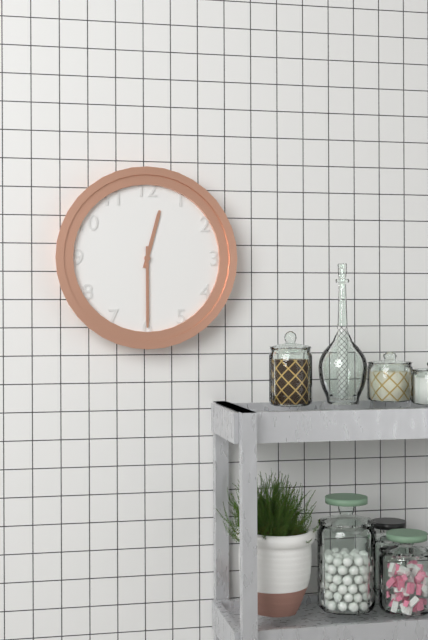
12:30
